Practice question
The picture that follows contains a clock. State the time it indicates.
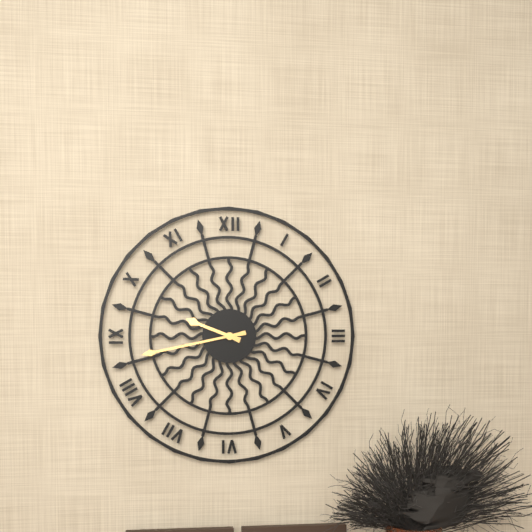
9:43
